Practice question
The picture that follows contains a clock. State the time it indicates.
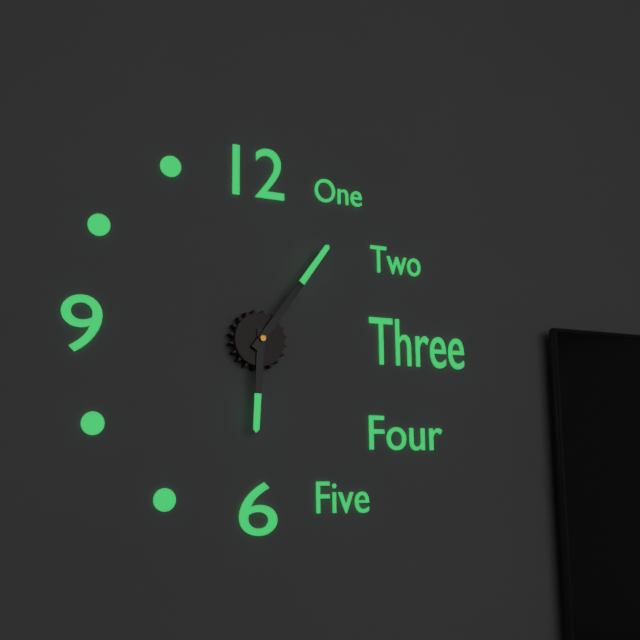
6:06
